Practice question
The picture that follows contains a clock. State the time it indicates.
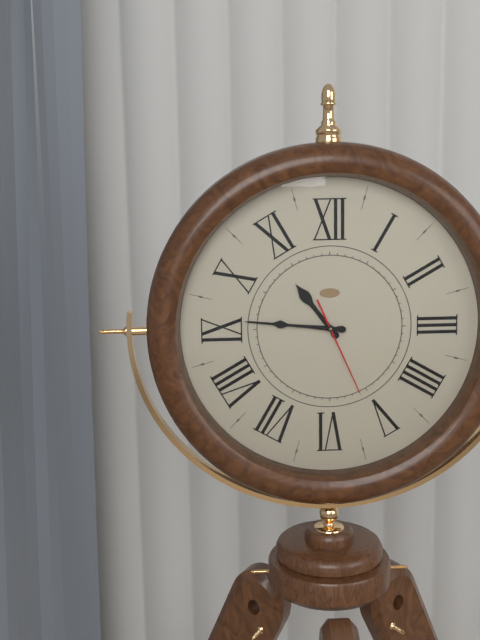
10:46:26
